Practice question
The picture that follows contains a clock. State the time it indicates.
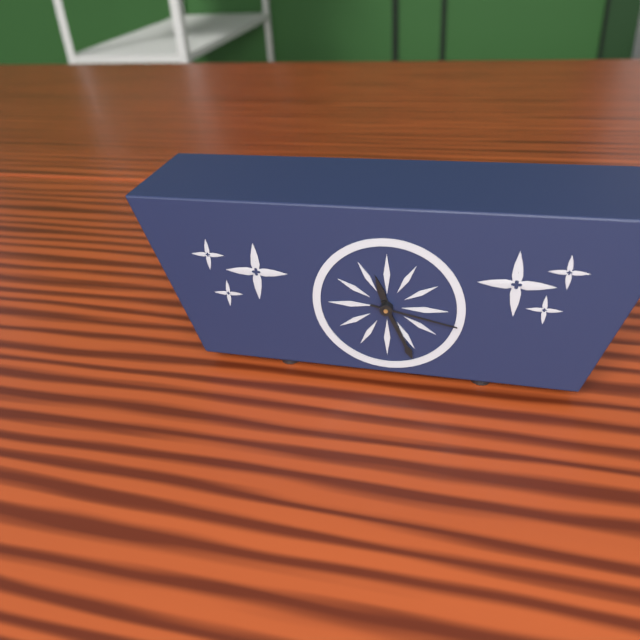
11:26:17
